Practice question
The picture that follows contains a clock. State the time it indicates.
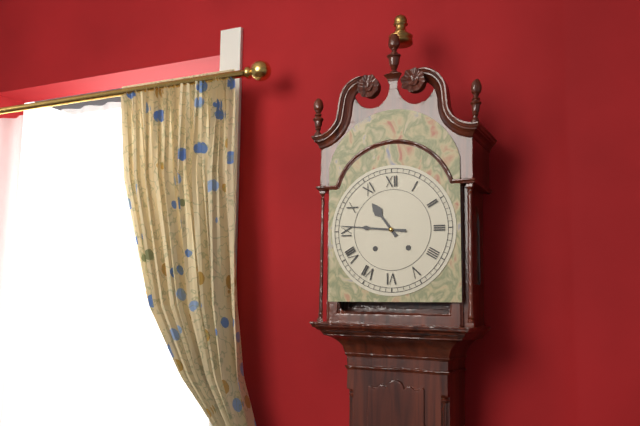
10:46
